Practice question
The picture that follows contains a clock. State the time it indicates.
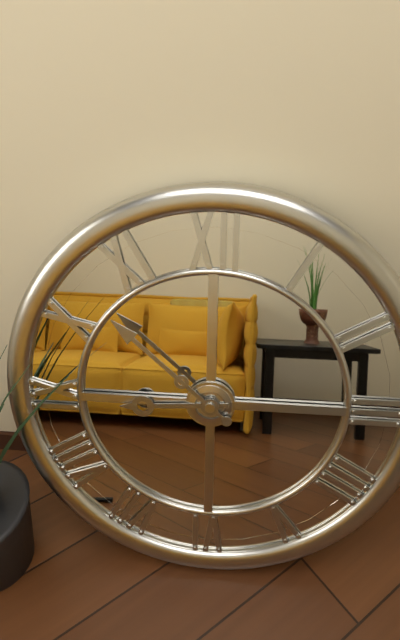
8:52
